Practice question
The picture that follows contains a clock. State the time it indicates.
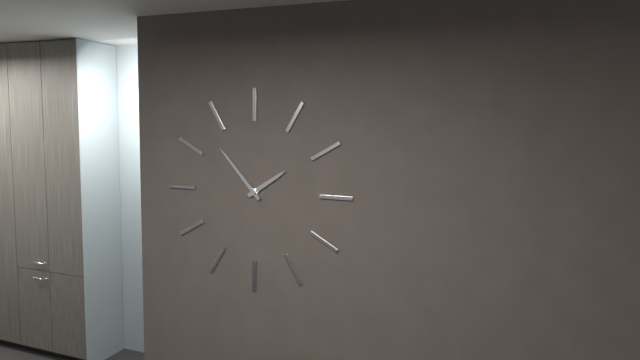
1:53
